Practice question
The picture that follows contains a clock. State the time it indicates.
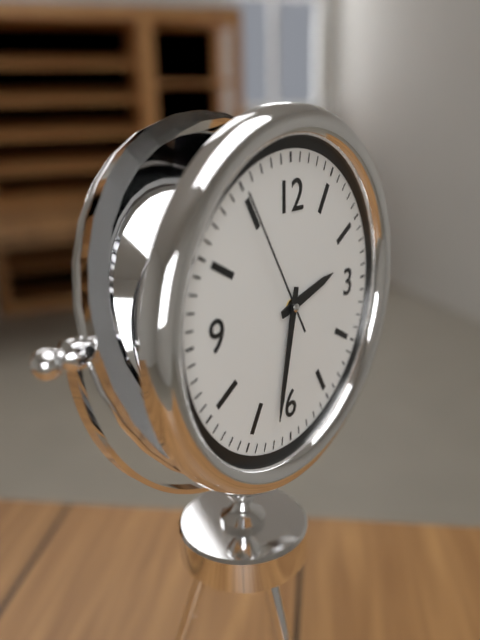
2:32:55
